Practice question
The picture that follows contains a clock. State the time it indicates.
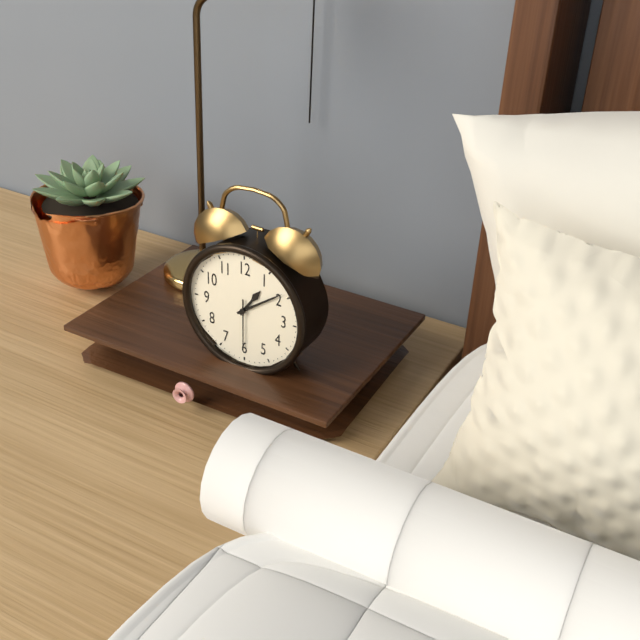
1:09
